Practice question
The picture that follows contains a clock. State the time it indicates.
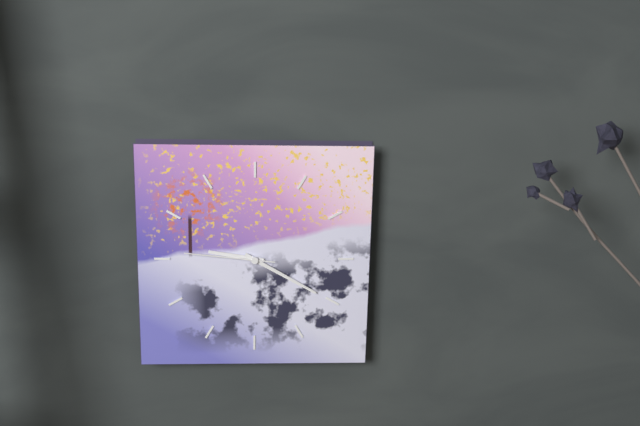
9:20:46
